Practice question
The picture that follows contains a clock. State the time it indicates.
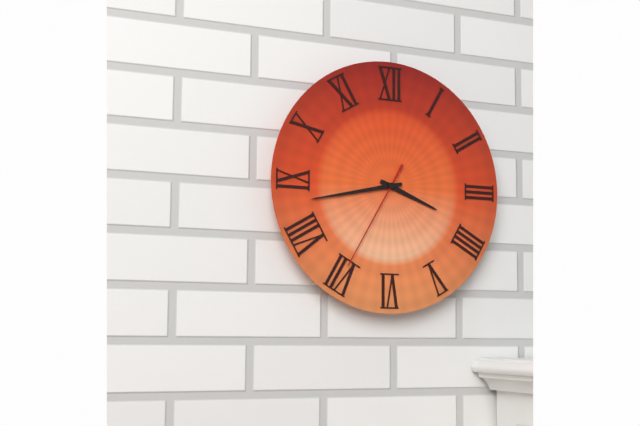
3:43:35
